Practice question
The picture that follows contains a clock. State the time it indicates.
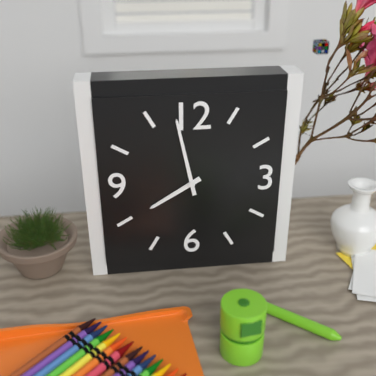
7:58
